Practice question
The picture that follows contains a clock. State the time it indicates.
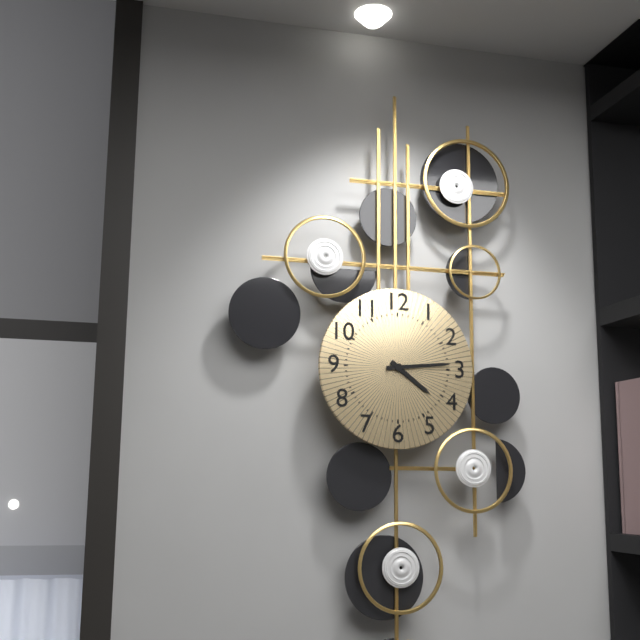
4:14
